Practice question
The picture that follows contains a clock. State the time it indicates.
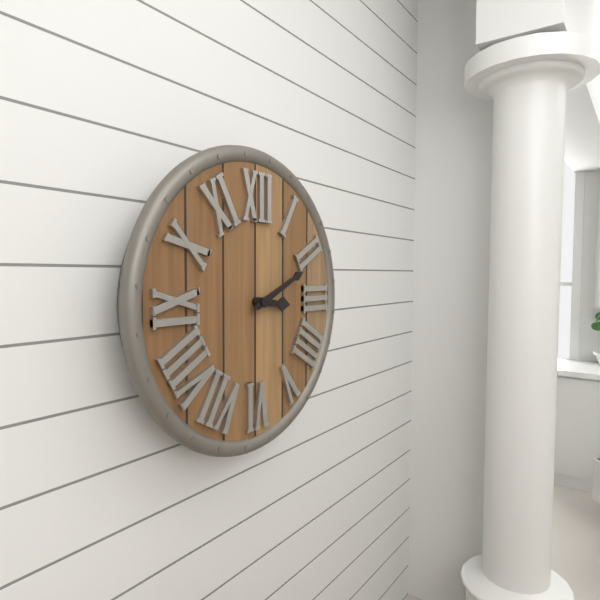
3:11
